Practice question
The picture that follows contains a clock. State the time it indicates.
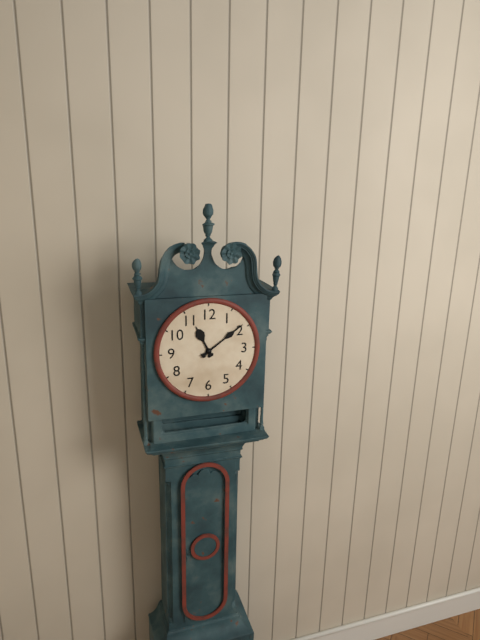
11:09
